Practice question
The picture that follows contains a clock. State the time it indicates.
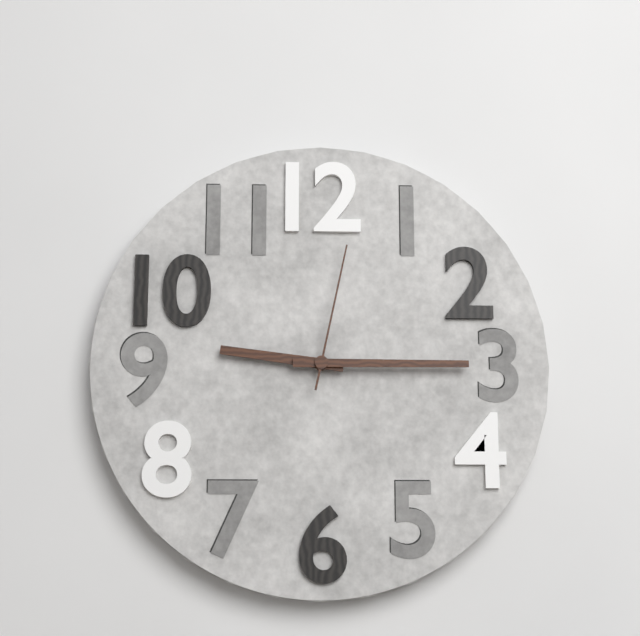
9:15:02
